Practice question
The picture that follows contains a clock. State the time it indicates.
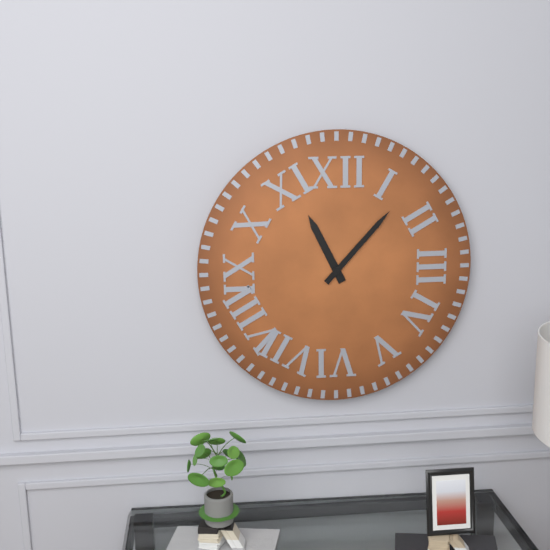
11:07
